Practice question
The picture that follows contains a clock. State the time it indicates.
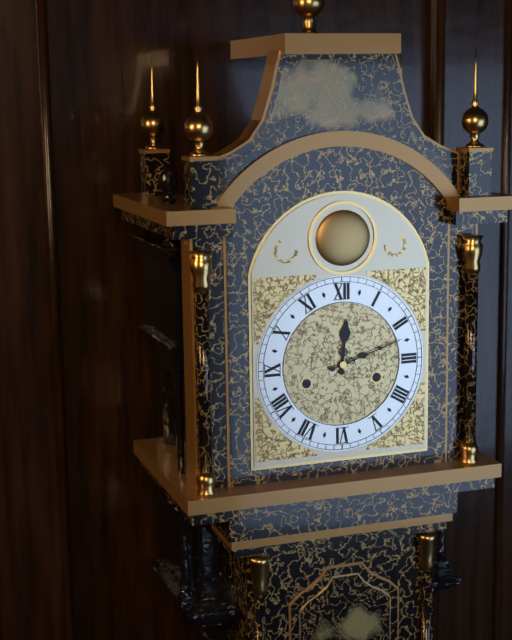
12:12
